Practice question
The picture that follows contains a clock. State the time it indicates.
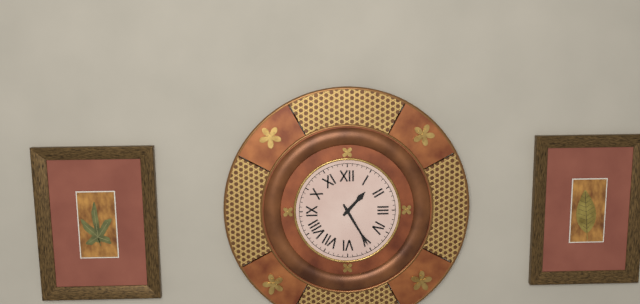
1:25
